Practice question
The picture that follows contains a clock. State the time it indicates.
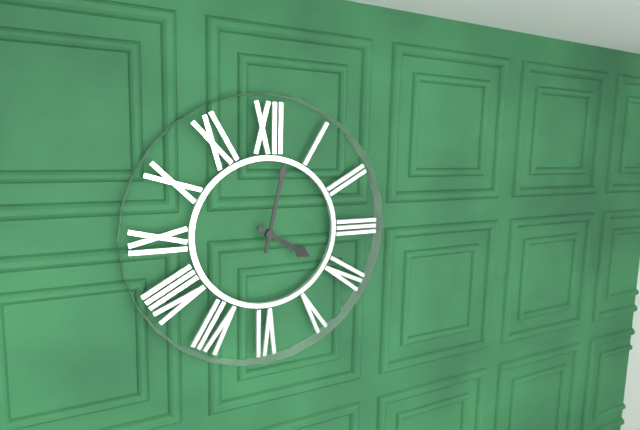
4:02
